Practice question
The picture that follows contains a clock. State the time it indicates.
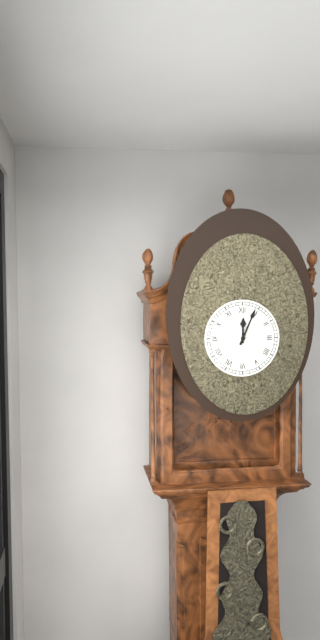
12:04
